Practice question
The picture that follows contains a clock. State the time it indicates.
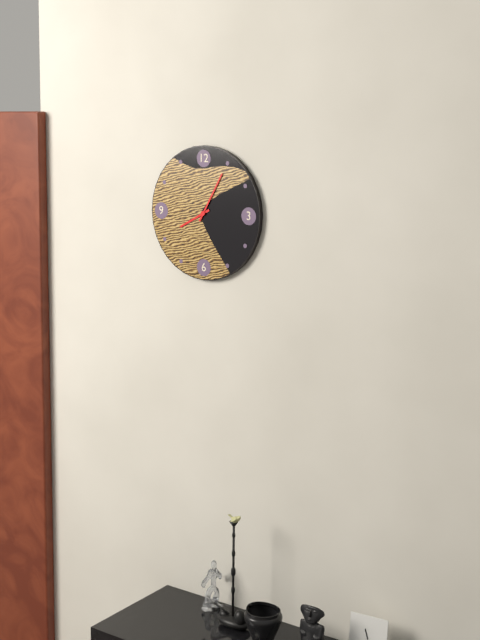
8:05
